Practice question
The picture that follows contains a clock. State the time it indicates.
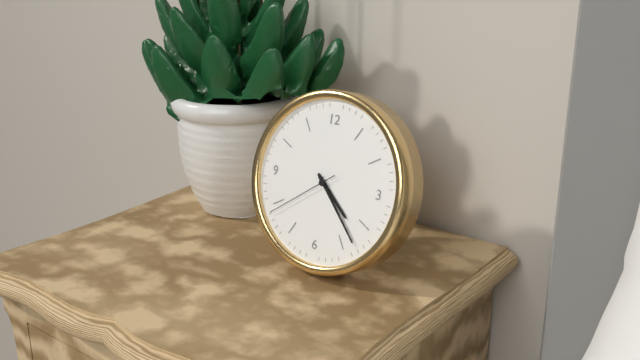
4:23:39
